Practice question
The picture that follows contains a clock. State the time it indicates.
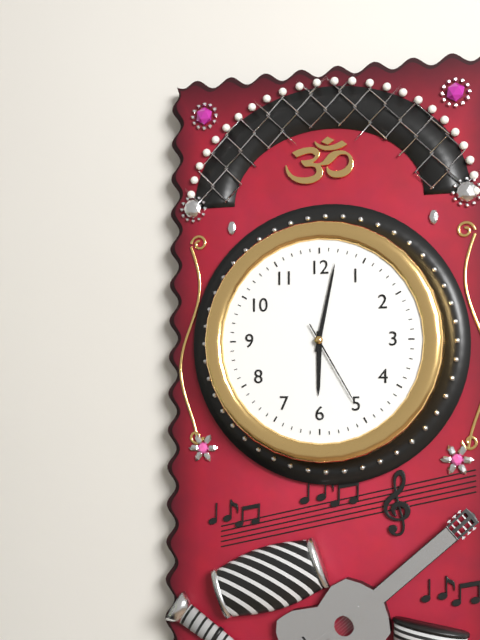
6:02:25
